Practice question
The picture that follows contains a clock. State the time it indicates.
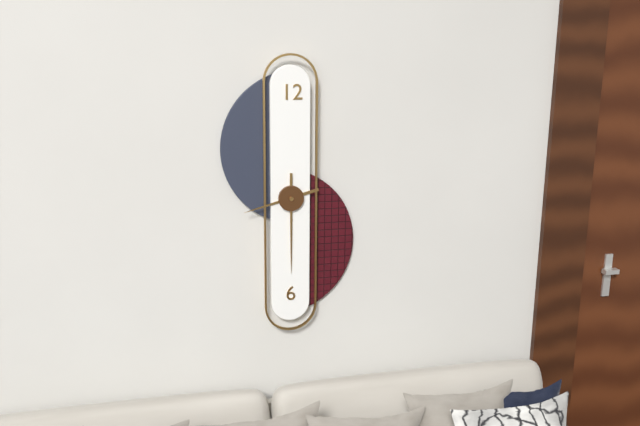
8:30
